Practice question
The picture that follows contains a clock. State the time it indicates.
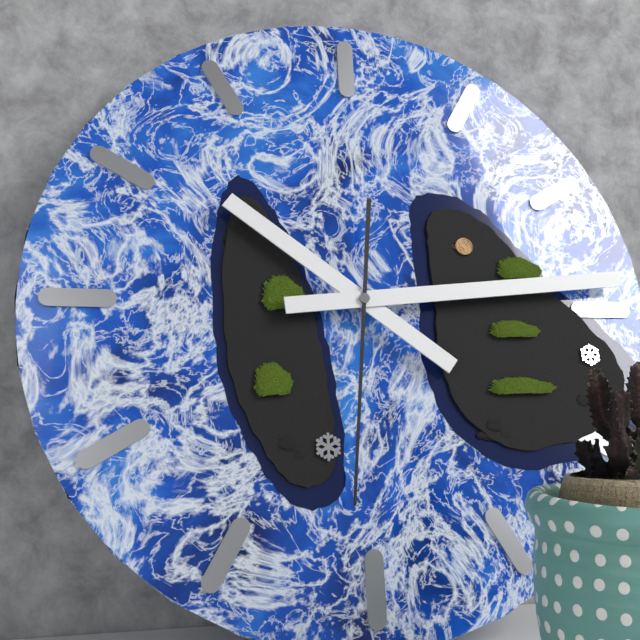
10:14:31
